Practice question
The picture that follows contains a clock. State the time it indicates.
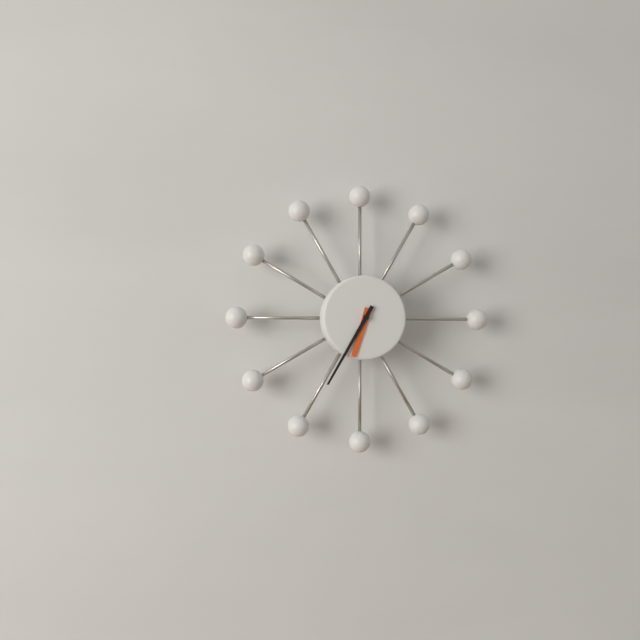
6:35
